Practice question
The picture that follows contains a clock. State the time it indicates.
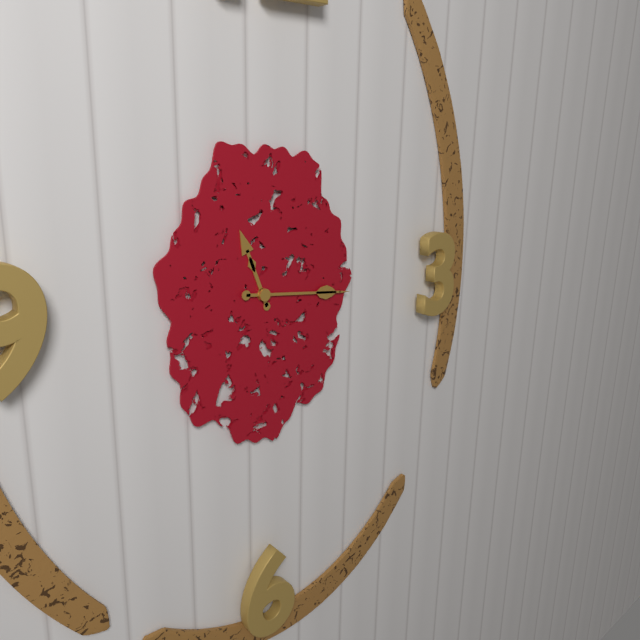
11:16
